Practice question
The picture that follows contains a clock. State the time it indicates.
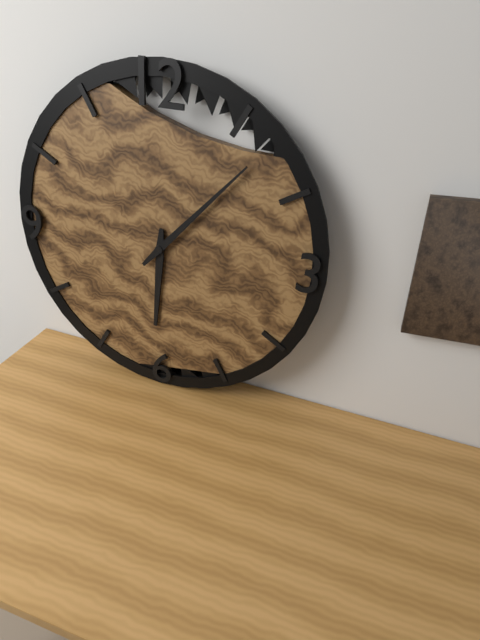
6:07
